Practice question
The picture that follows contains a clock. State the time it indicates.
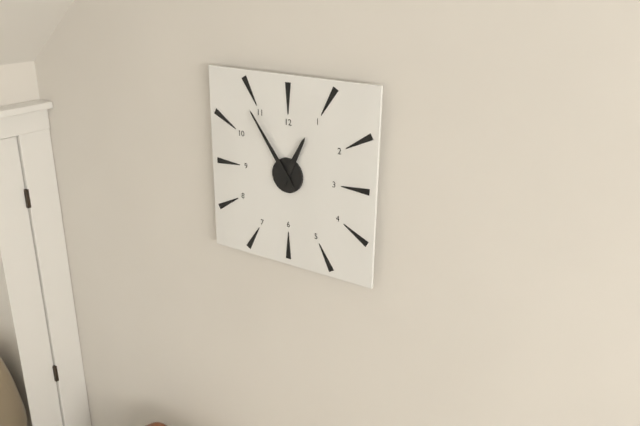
12:54
